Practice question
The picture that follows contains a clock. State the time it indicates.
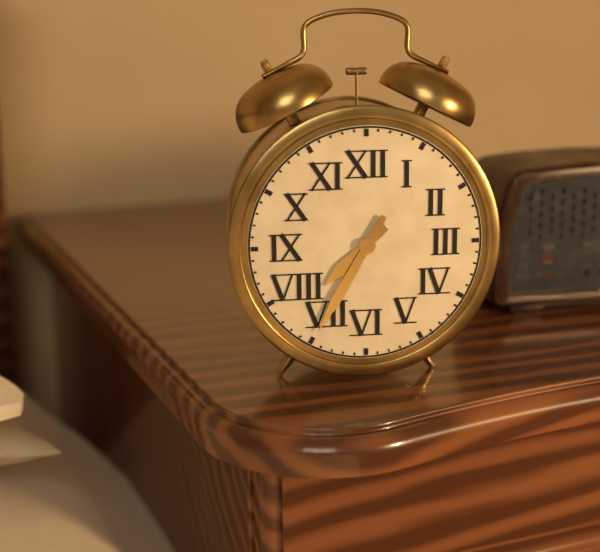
7:35
